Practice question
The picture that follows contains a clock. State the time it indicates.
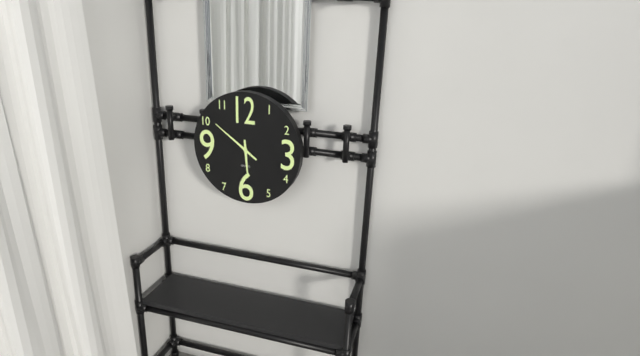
5:51
